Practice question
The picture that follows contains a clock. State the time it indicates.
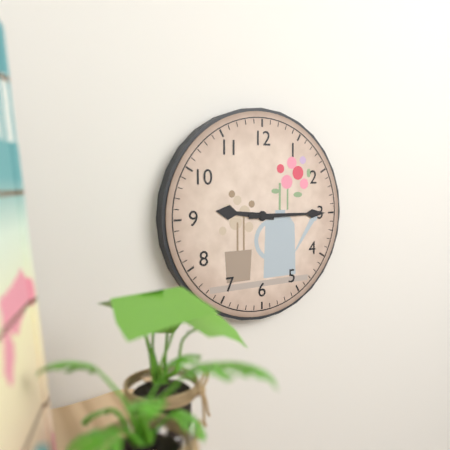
9:15
